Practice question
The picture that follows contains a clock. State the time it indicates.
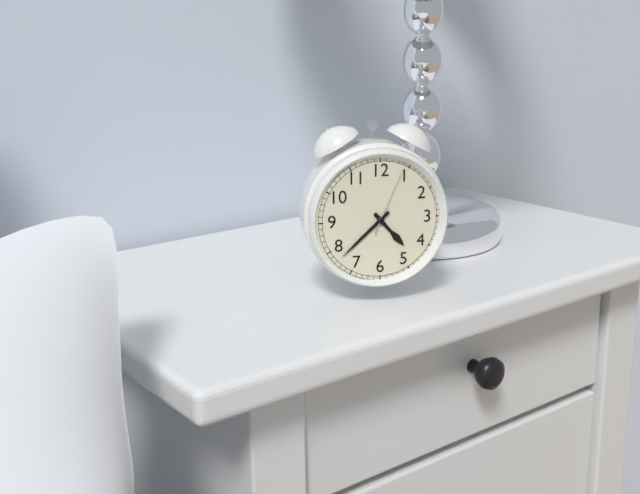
4:38:04
